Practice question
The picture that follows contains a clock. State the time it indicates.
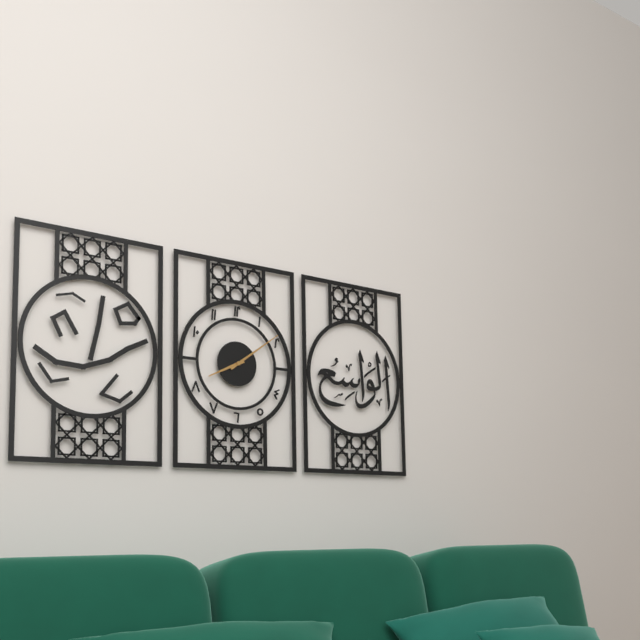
8:09
